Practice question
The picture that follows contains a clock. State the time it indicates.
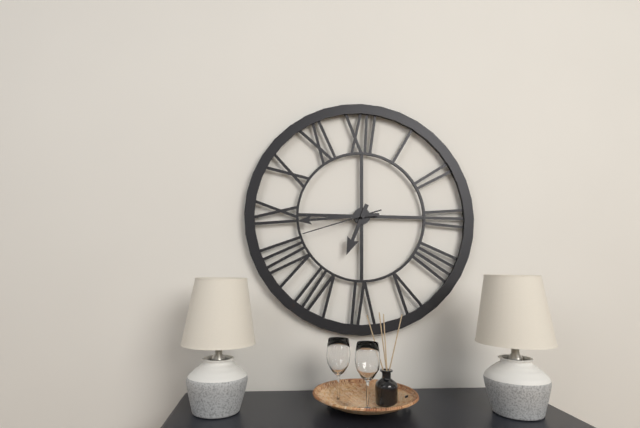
6:44:42
